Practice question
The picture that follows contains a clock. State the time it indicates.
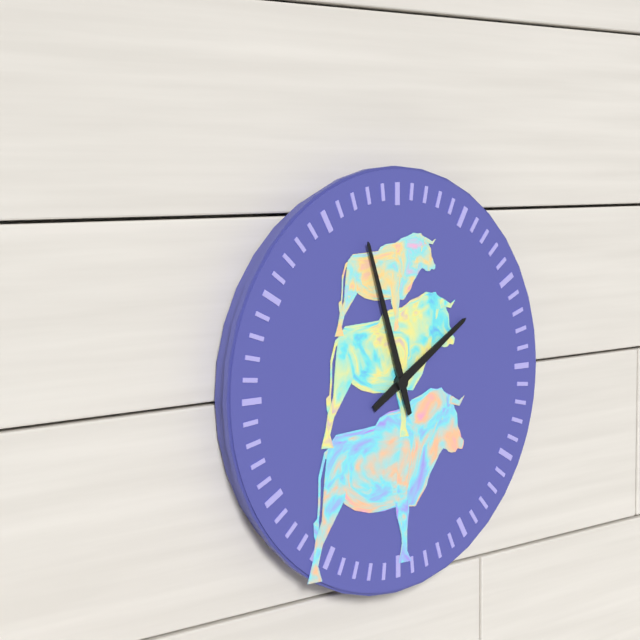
1:57
